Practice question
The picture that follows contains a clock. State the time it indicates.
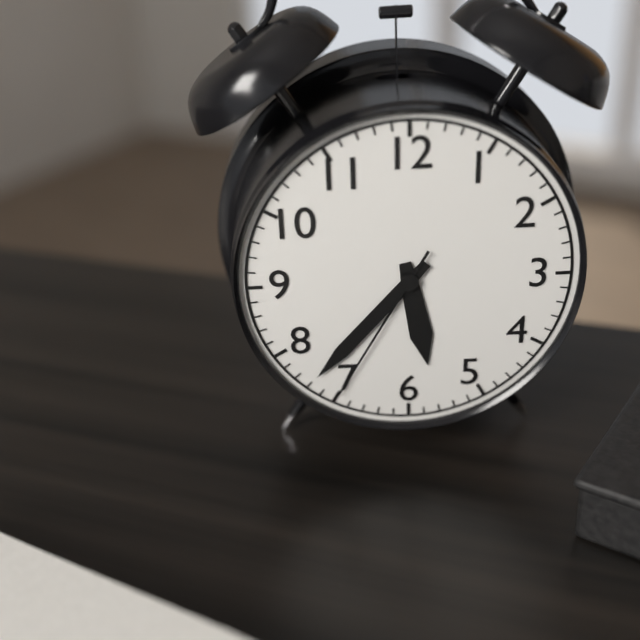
5:37:35
